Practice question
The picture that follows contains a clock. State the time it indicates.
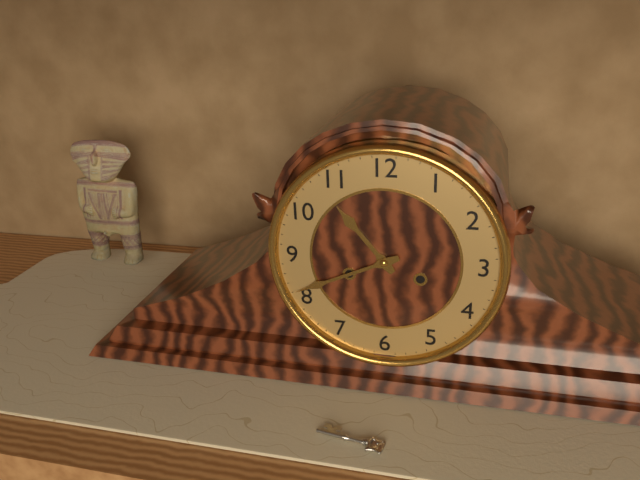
10:41
